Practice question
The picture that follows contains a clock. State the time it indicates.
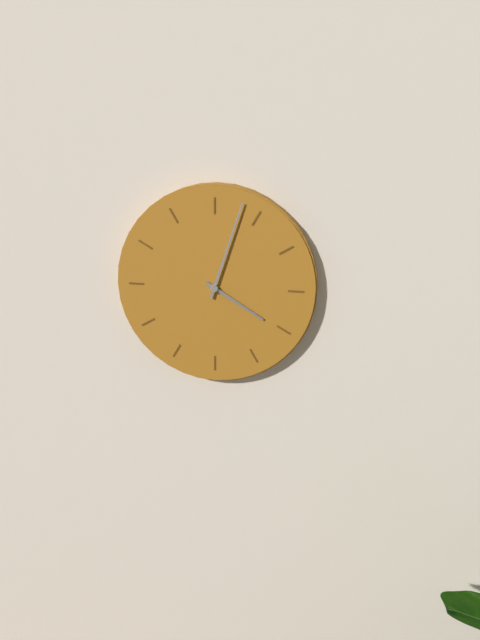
4:03
